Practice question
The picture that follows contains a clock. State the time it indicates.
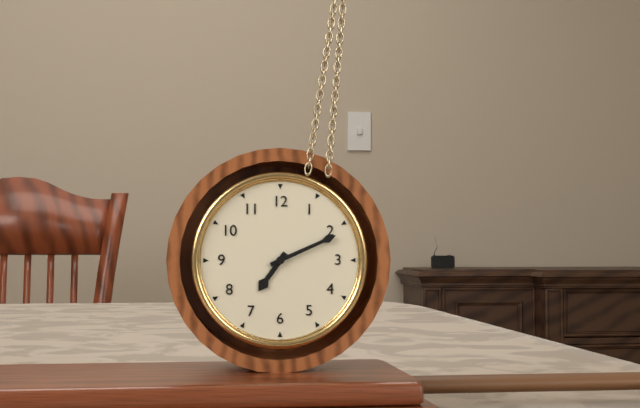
7:11
